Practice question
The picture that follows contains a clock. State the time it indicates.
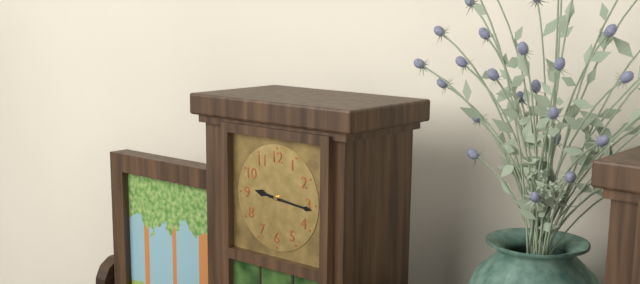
9:16
